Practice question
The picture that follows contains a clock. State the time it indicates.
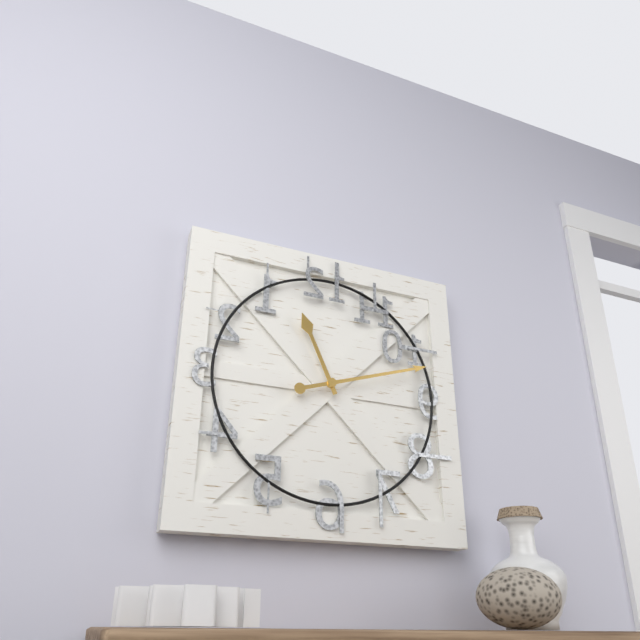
11:12
